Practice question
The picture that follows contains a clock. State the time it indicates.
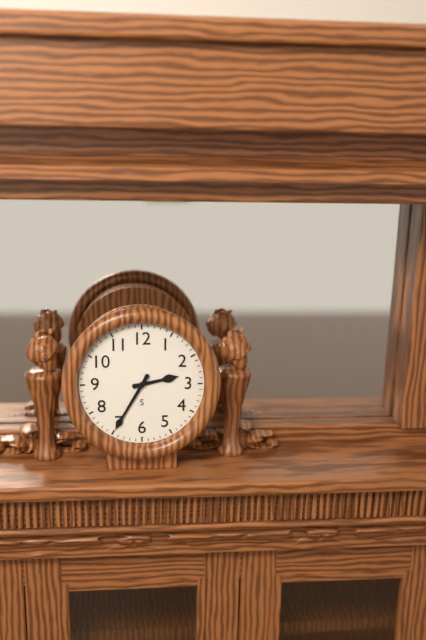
2:35
